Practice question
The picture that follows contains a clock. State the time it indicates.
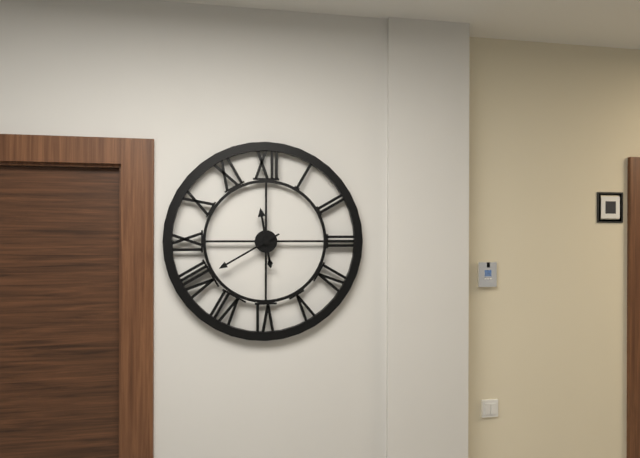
11:40
